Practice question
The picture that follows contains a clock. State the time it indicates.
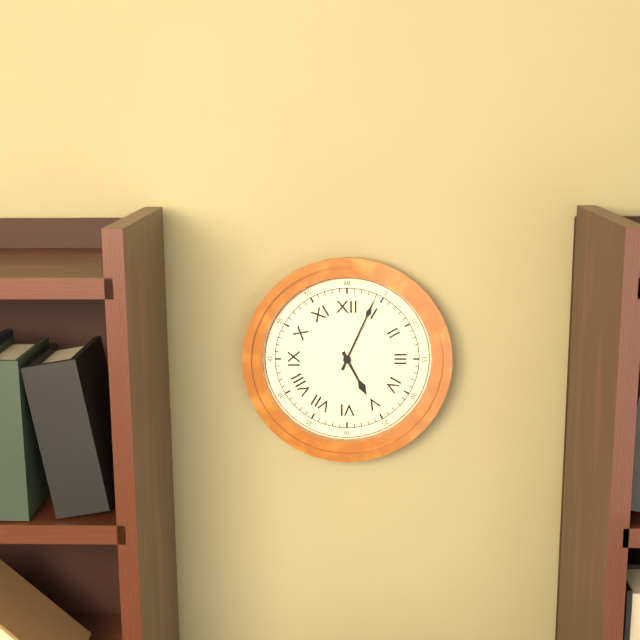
5:04
